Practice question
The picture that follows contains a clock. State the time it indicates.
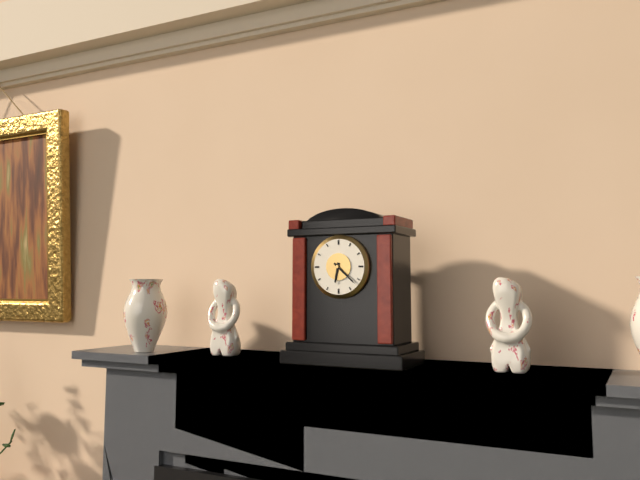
6:22
